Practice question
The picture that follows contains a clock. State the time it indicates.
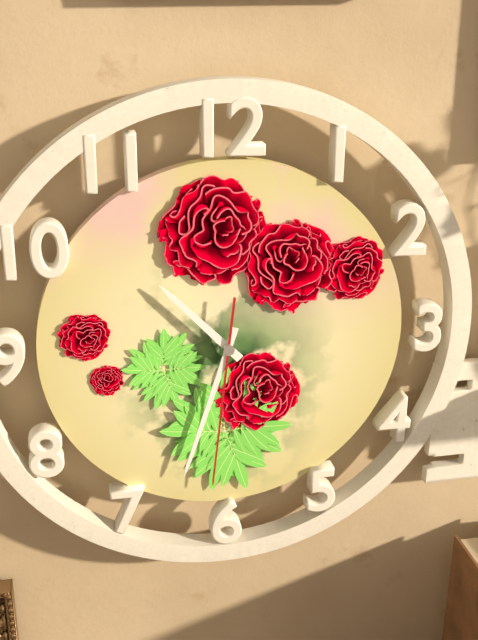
10:33:31
